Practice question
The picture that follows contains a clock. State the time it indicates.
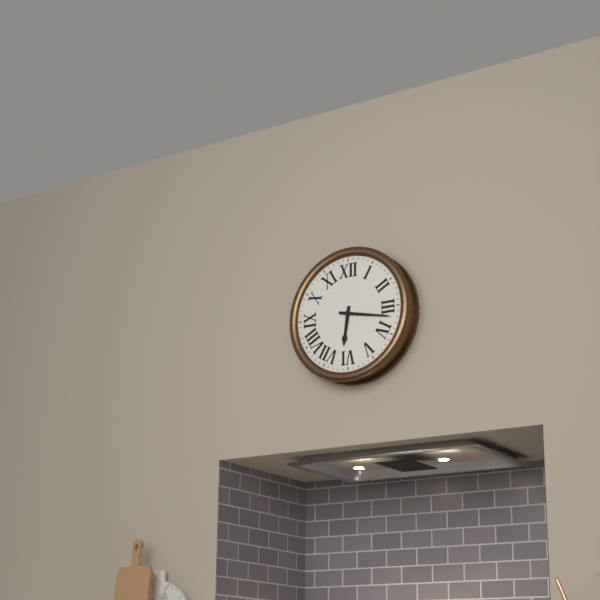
6:17
